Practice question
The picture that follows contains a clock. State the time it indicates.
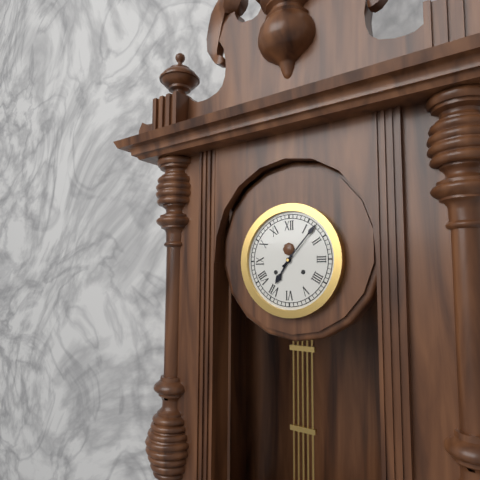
7:07
